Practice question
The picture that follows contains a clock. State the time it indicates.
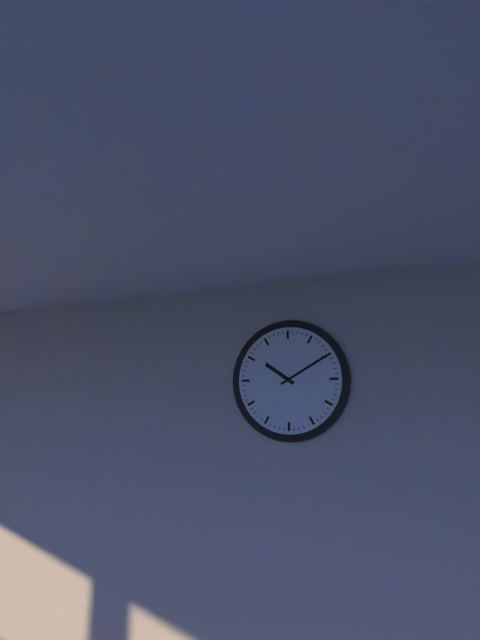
10:10
